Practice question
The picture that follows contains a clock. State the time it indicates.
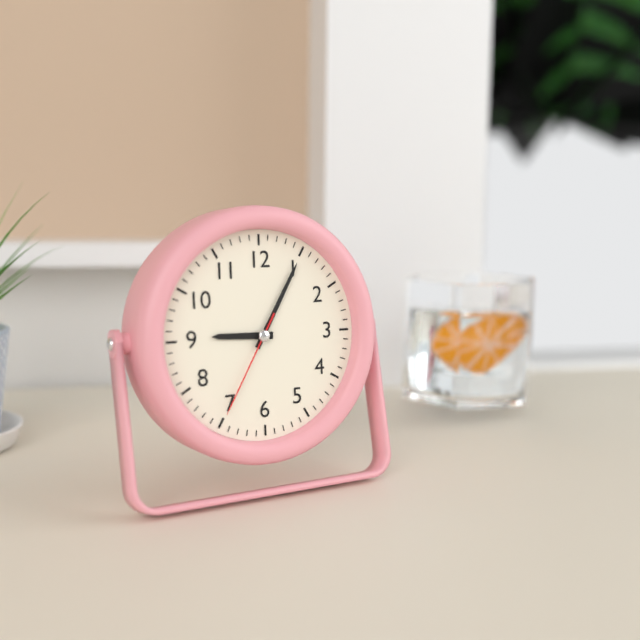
9:05:35
